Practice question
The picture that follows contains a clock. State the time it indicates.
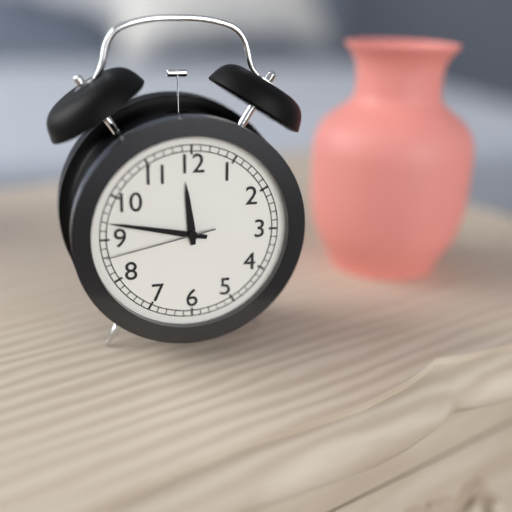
11:47:43
